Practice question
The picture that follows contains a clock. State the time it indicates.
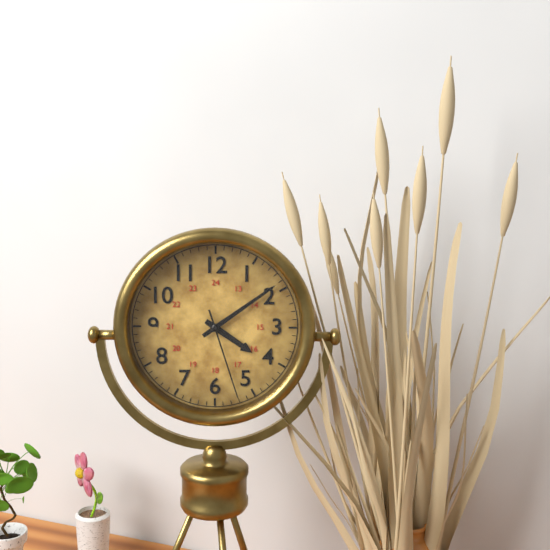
4:09:27
